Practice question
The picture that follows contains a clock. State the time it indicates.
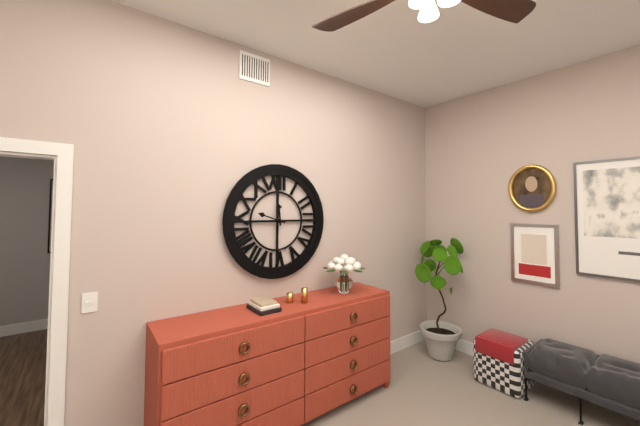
11:48
